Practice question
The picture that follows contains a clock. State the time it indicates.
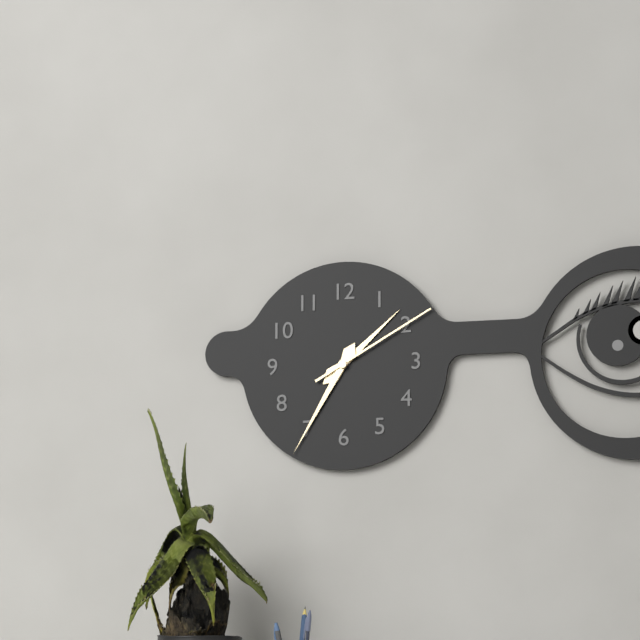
1:35:10
